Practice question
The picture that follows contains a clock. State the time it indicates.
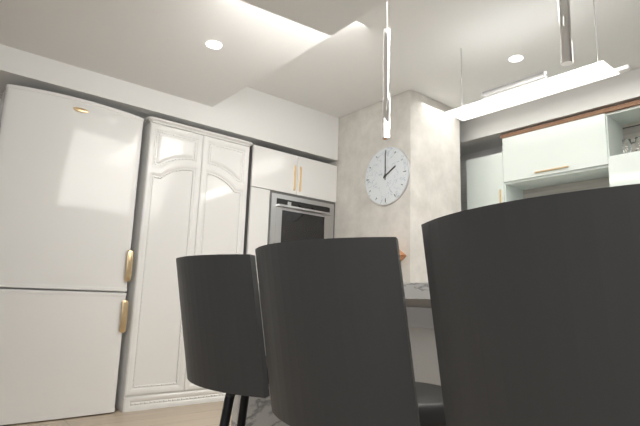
2:00
